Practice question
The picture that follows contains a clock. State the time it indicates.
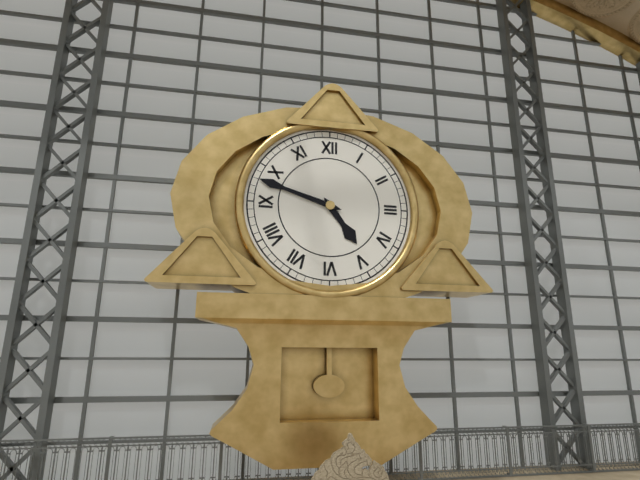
4:48
